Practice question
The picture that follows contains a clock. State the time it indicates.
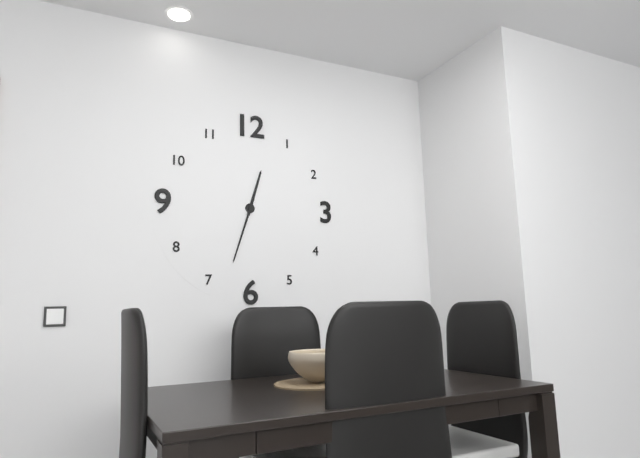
12:33
